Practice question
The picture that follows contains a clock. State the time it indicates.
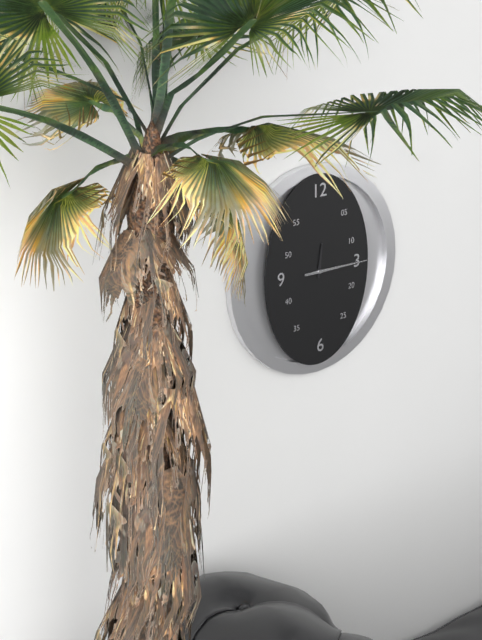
12:15
